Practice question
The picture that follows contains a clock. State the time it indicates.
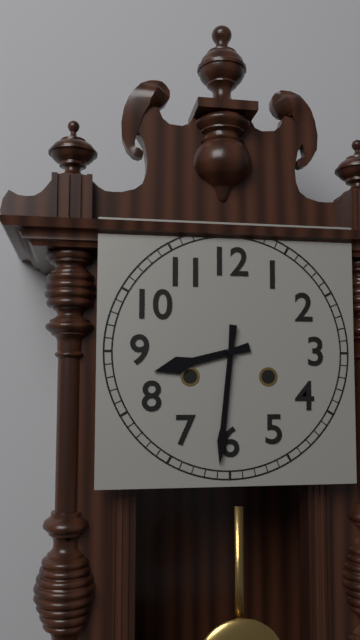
8:31
